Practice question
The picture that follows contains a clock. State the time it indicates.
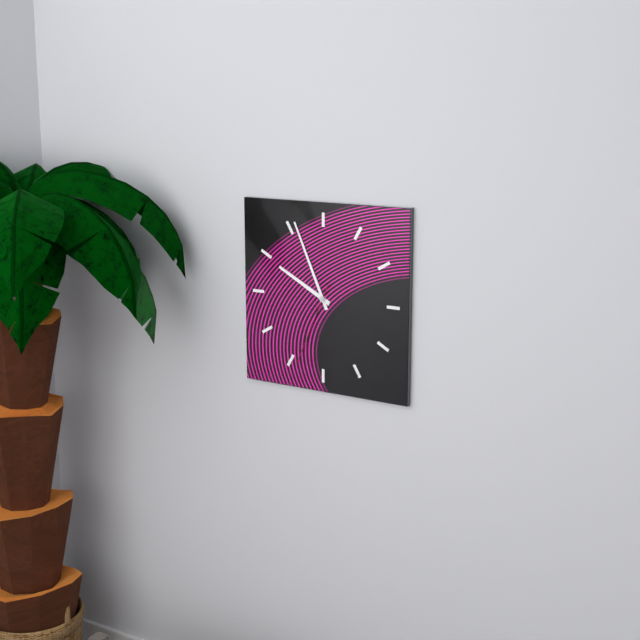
9:56:34
